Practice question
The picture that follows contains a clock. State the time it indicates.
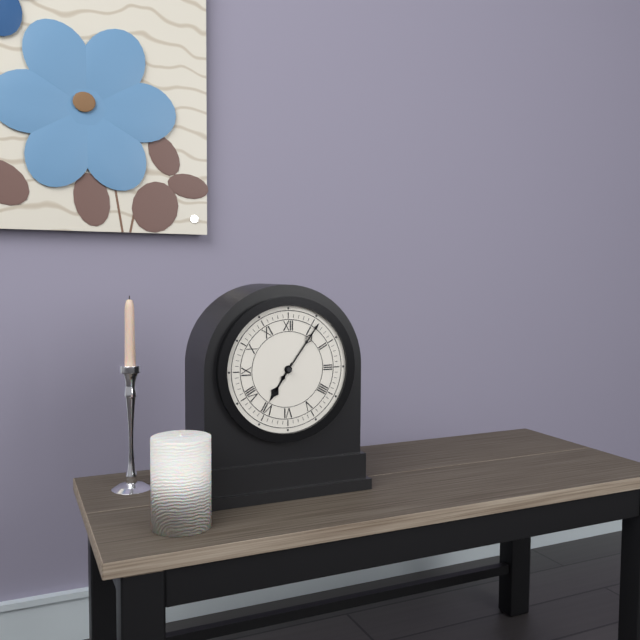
7:06
